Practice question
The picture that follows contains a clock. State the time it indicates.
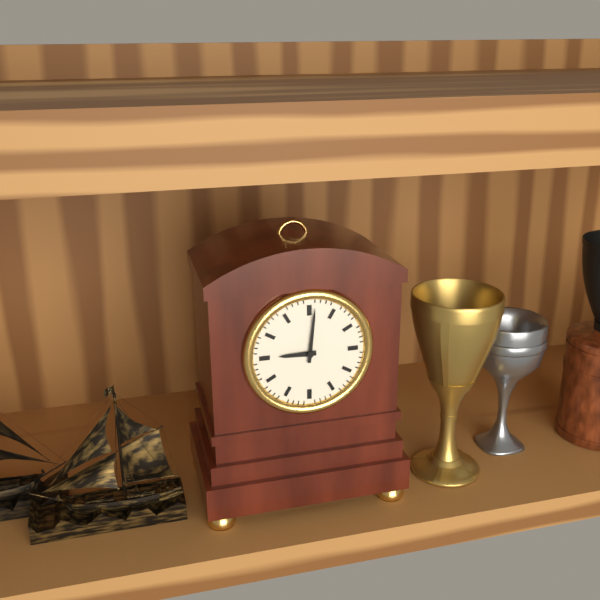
9:01
